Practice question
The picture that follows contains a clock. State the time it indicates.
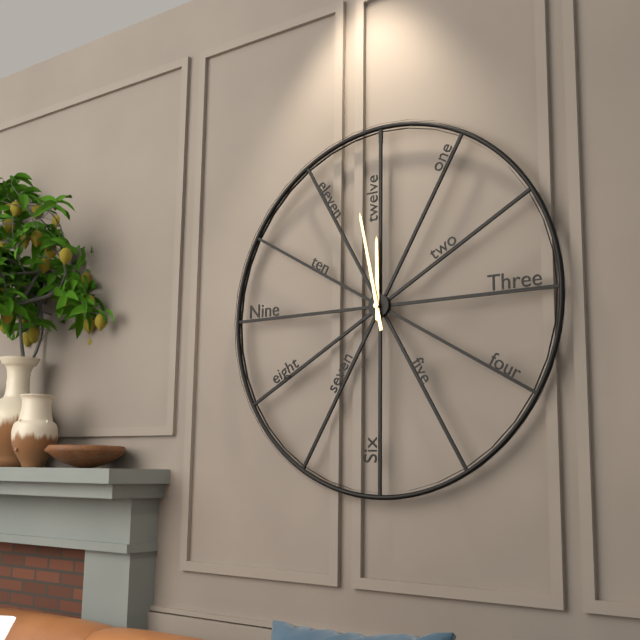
11:58
